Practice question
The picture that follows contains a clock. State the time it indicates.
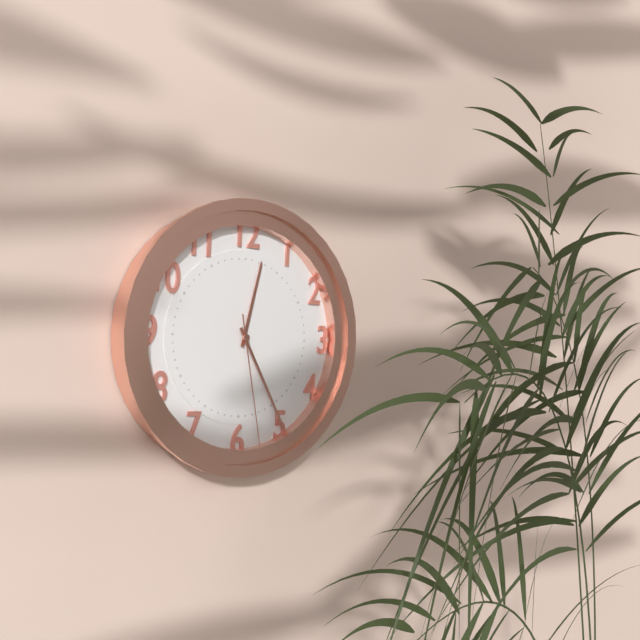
12:25:28
